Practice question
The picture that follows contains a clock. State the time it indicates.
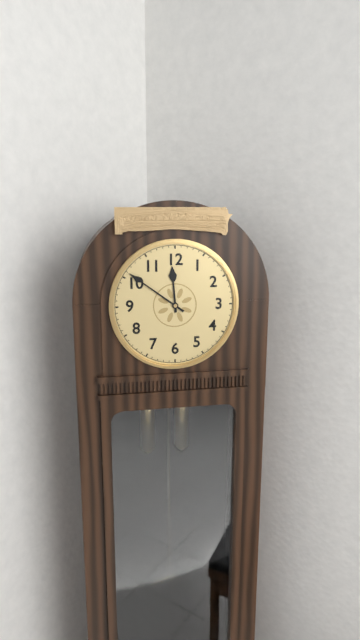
11:51
